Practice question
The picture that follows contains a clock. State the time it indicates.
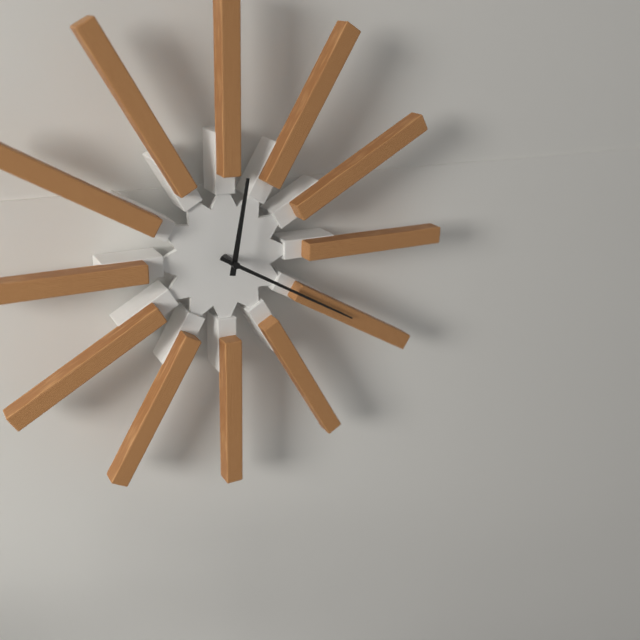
12:20
